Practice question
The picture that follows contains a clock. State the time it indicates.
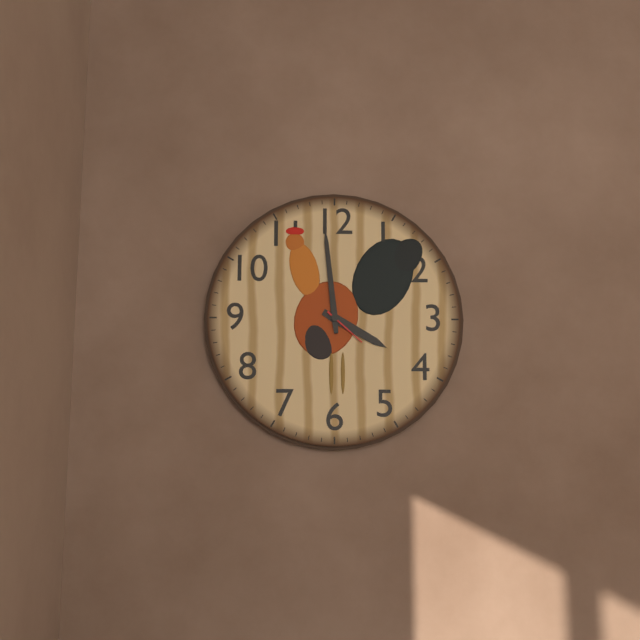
3:59
